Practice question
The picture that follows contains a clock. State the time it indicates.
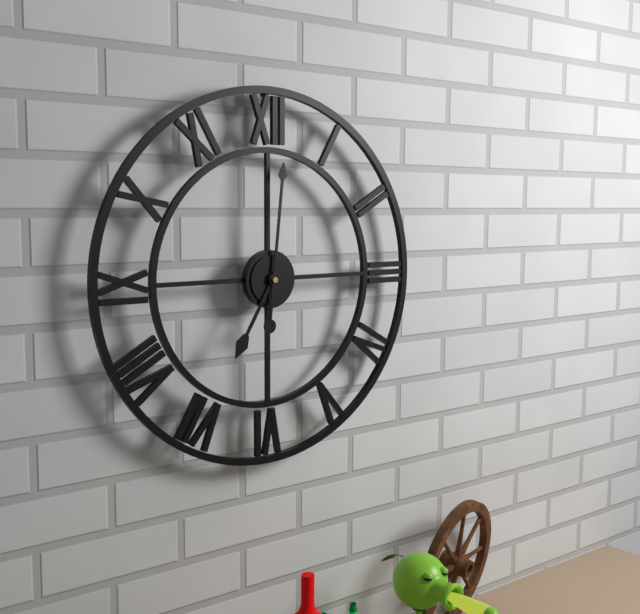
7:01
